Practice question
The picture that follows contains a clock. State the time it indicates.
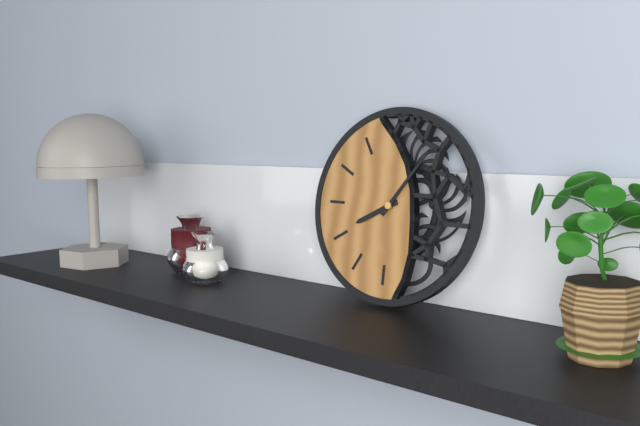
8:06
